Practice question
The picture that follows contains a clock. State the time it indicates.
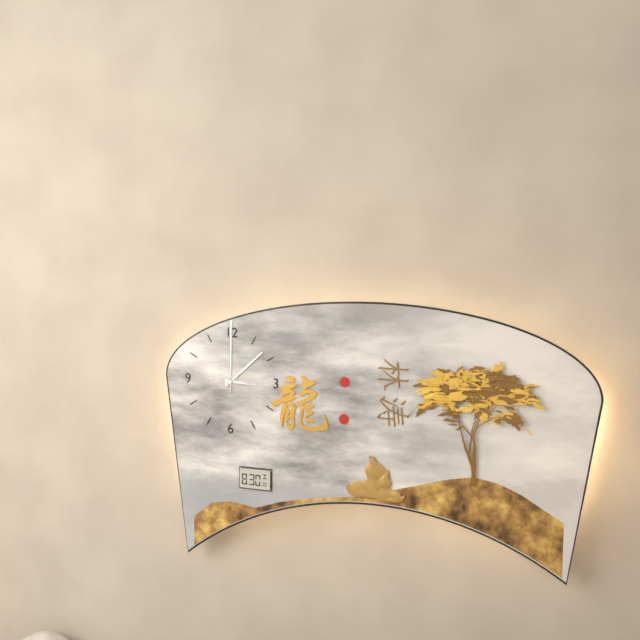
3:08:00
